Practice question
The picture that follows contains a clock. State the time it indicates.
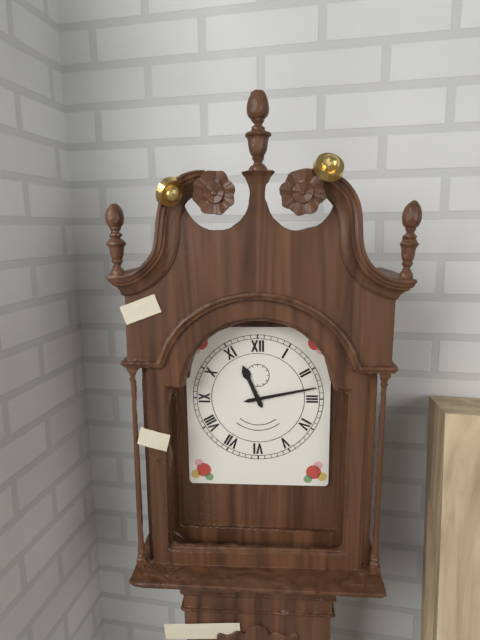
11:13
